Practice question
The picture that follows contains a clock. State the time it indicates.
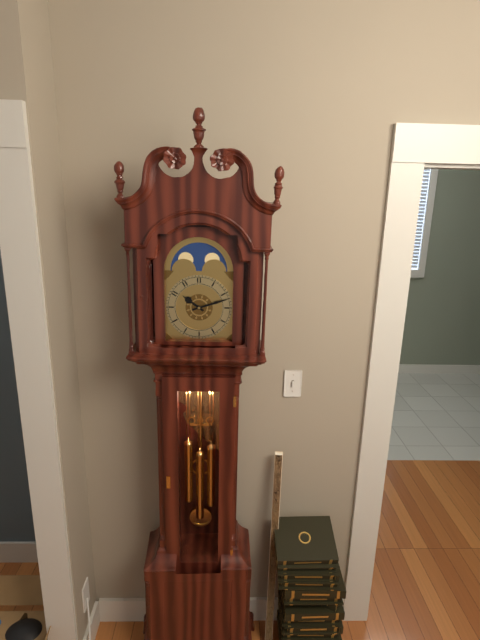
10:12
